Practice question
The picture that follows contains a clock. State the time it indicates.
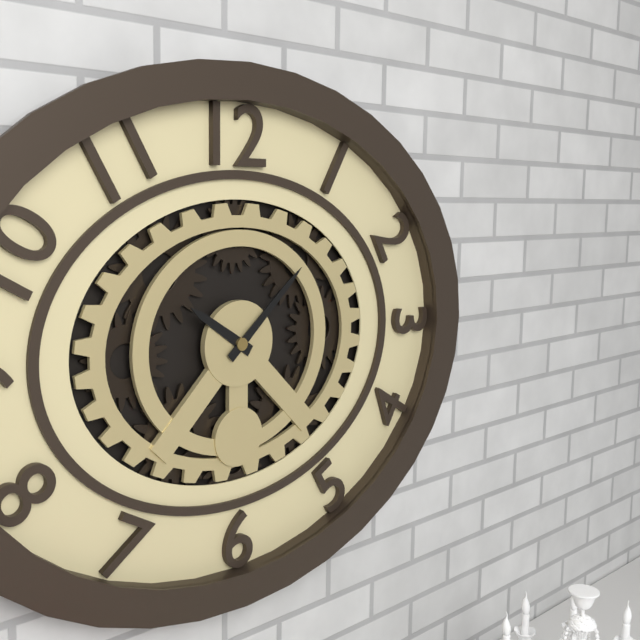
10:08
